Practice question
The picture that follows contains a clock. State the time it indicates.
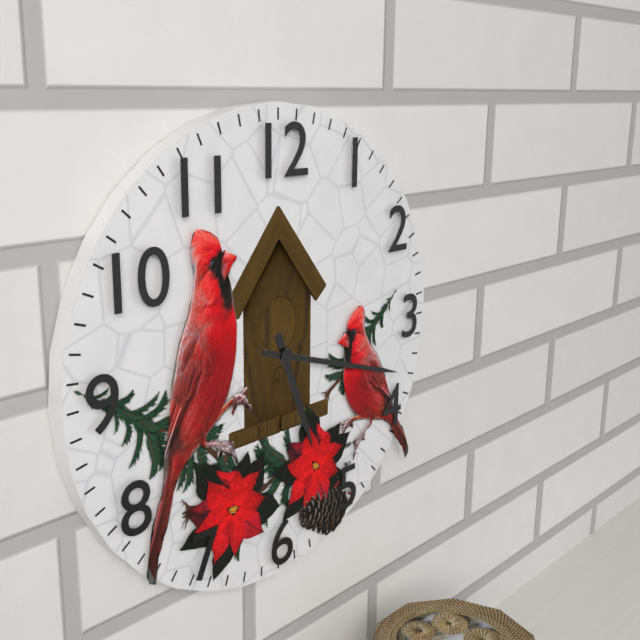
5:18
